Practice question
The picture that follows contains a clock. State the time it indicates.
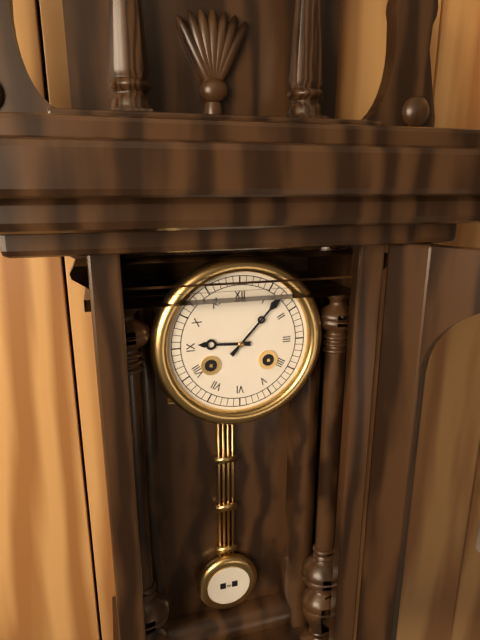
9:07
